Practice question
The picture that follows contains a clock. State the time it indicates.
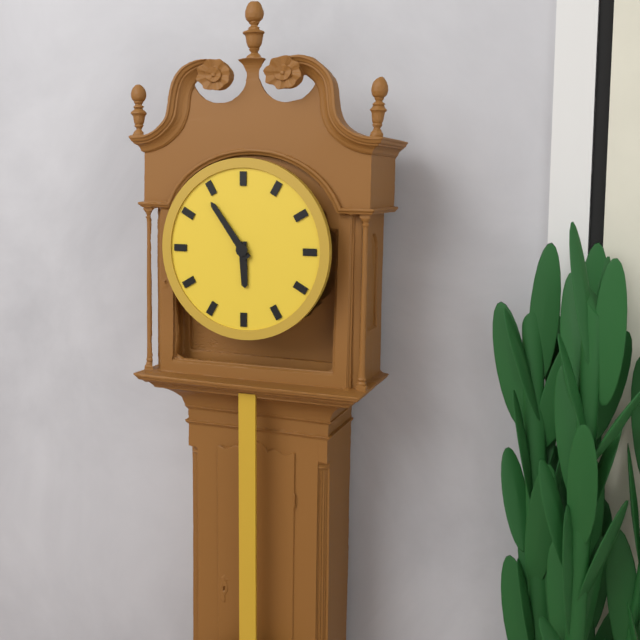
5:54
